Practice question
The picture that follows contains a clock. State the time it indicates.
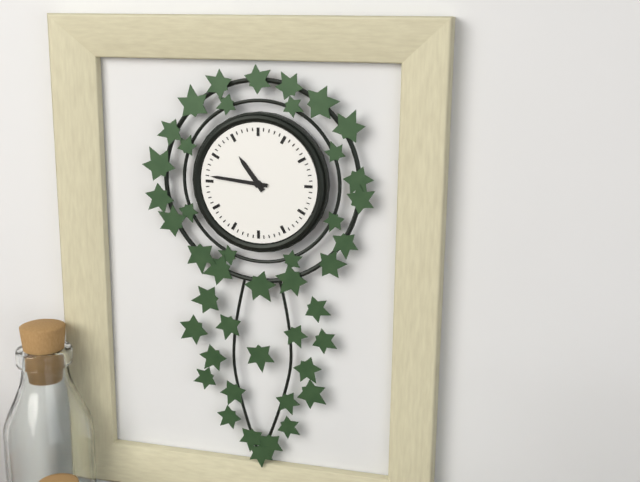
10:46
